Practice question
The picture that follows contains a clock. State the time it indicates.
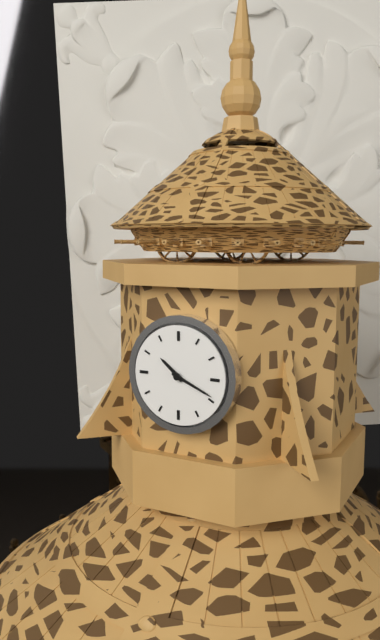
10:19
